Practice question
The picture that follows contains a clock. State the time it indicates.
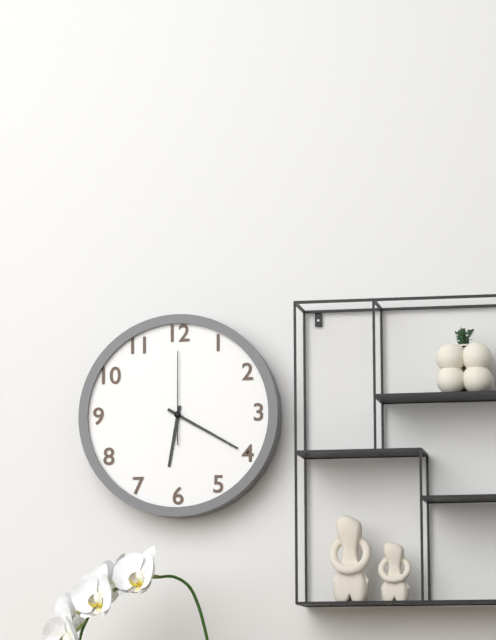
6:20:00
